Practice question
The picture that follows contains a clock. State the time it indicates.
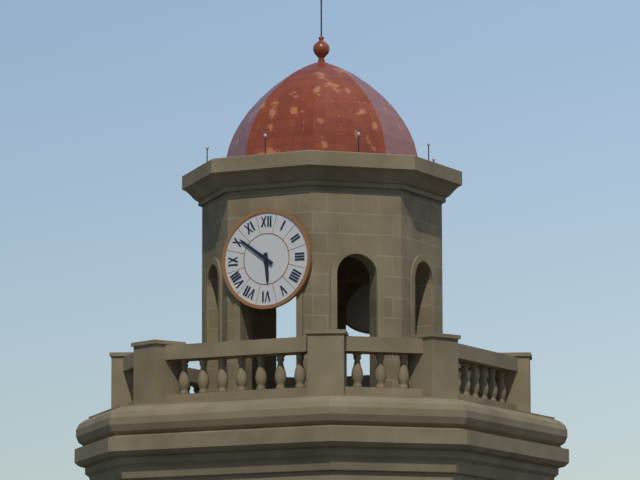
5:51
